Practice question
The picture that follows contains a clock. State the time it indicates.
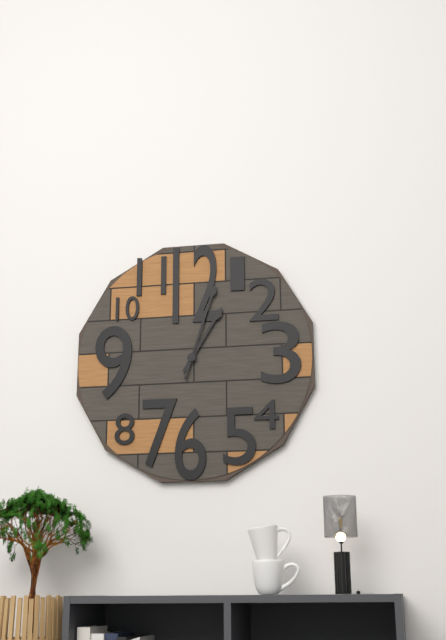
1:03
